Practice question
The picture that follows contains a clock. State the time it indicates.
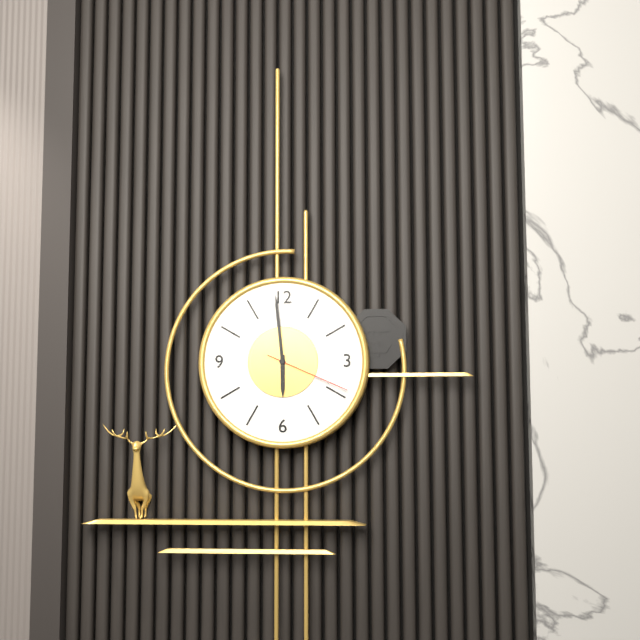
5:59:19
